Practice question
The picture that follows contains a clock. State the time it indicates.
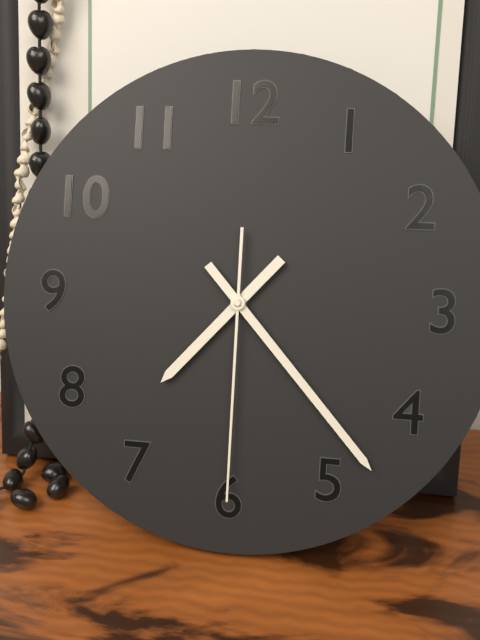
7:23:30
